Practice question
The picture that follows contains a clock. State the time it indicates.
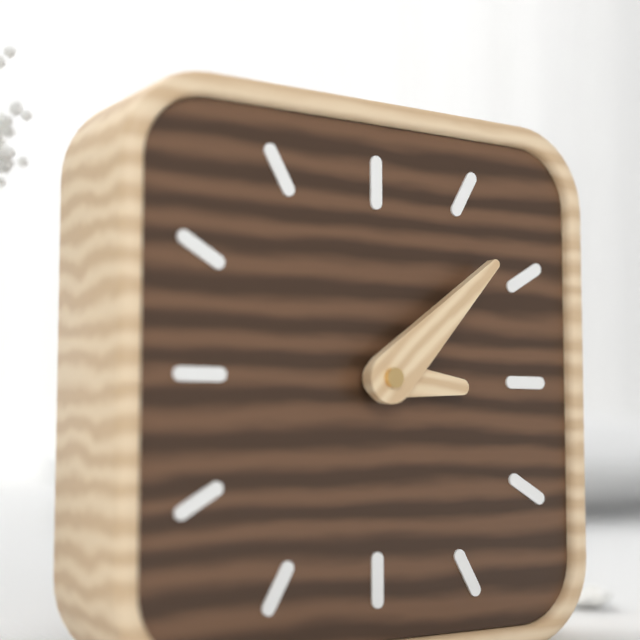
3:08
